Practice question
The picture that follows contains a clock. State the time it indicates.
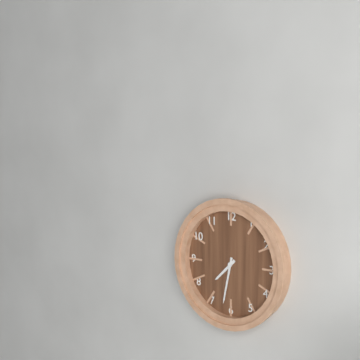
7:32
